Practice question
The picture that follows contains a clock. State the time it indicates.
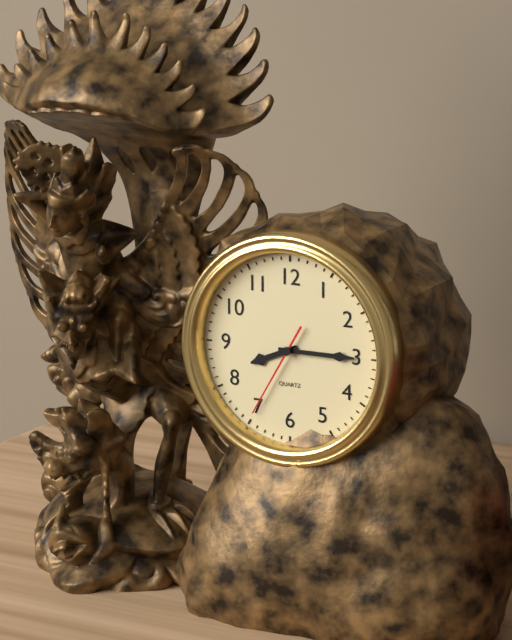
8:15:35
